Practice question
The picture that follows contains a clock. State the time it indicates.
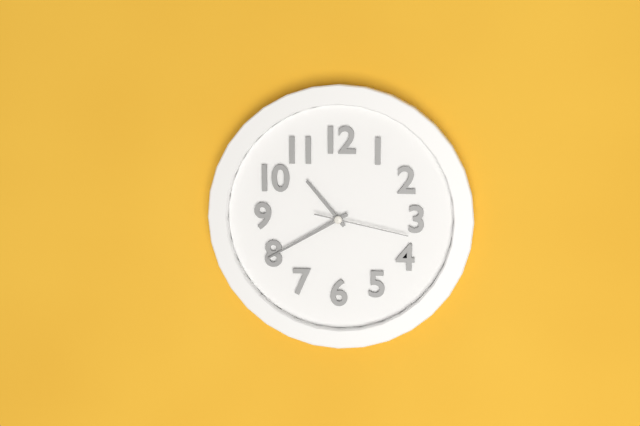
10:40:17
